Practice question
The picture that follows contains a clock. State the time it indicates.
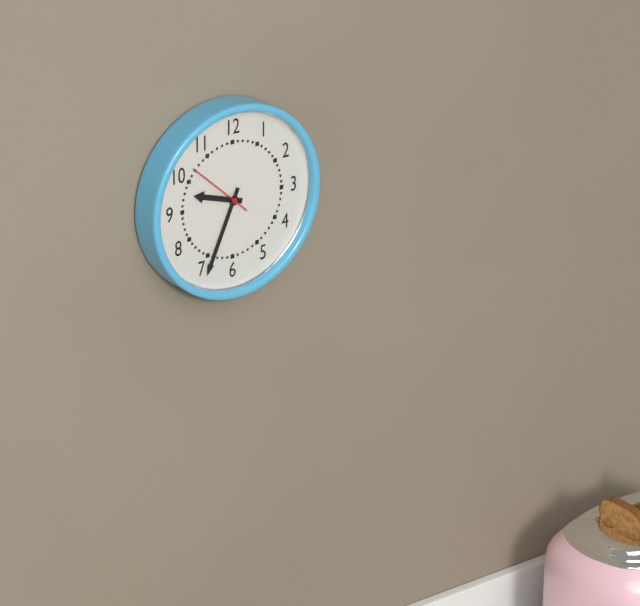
9:34:52
